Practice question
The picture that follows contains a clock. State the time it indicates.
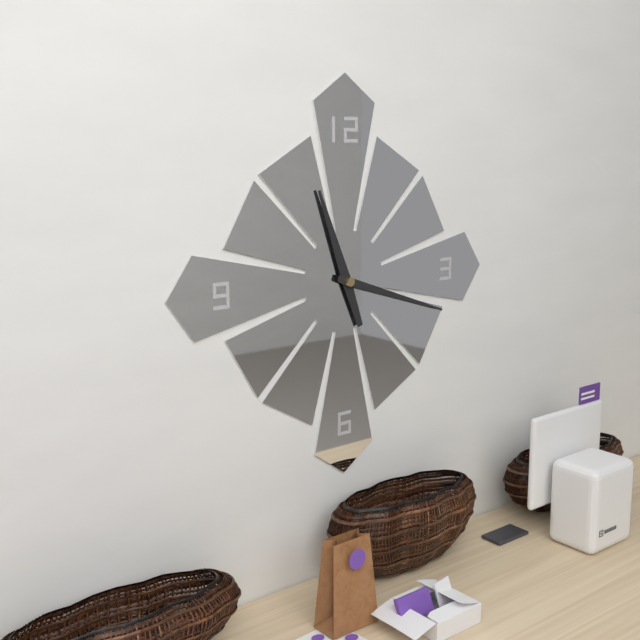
11:18
